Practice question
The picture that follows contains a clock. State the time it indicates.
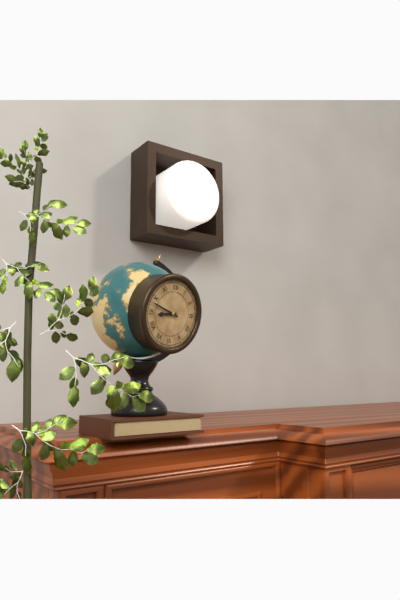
8:48
